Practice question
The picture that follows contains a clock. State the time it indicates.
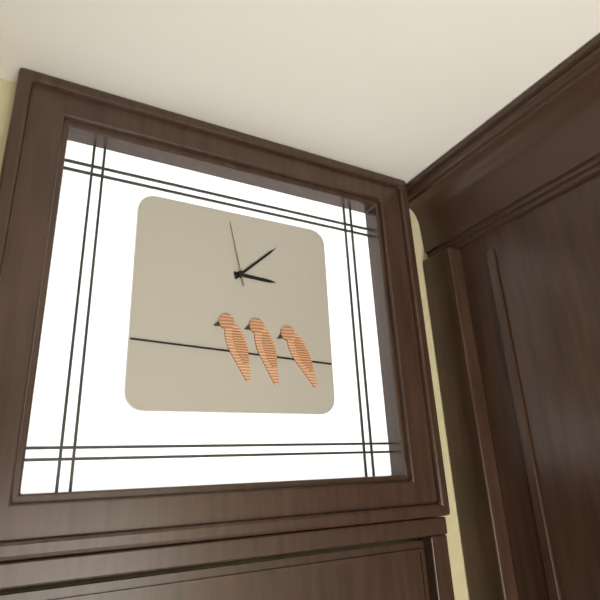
3:08:58
